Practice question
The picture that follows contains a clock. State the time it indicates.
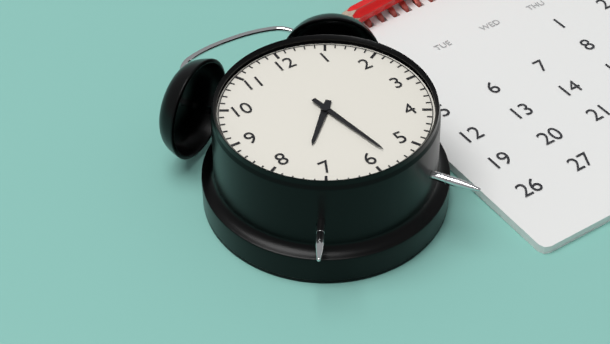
7:28
